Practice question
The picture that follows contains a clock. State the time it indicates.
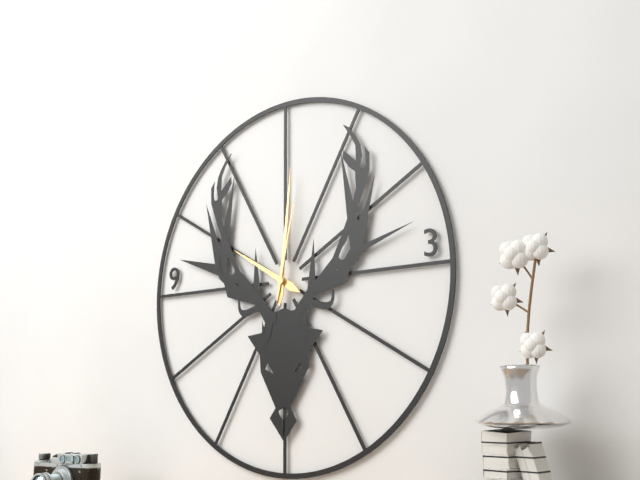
10:01:02
